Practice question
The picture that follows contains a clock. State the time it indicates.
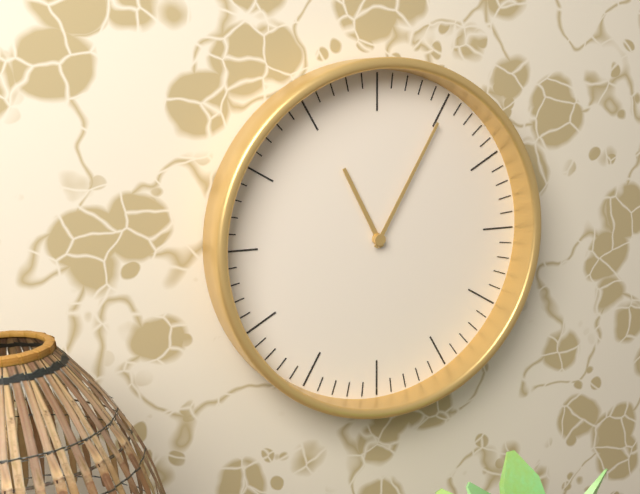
11:05
